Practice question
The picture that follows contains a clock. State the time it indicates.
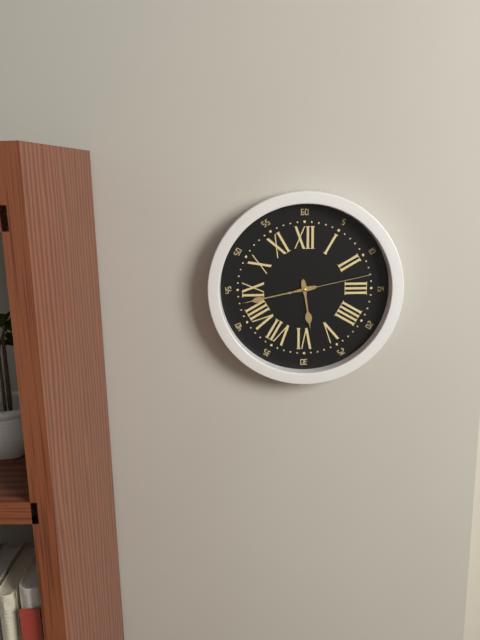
5:43:13
